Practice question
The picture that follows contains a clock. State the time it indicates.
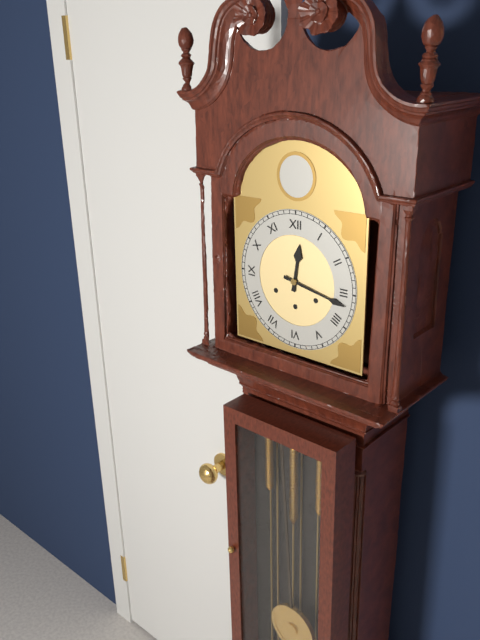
12:17
